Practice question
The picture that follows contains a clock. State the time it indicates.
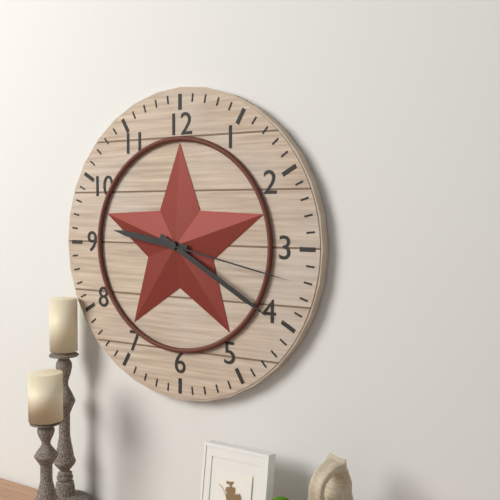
9:20:17
